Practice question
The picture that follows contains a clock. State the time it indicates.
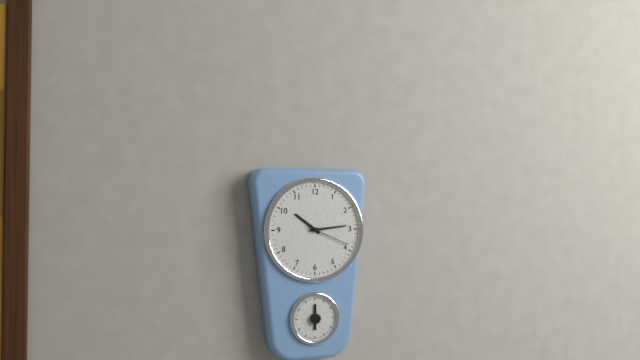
10:14
